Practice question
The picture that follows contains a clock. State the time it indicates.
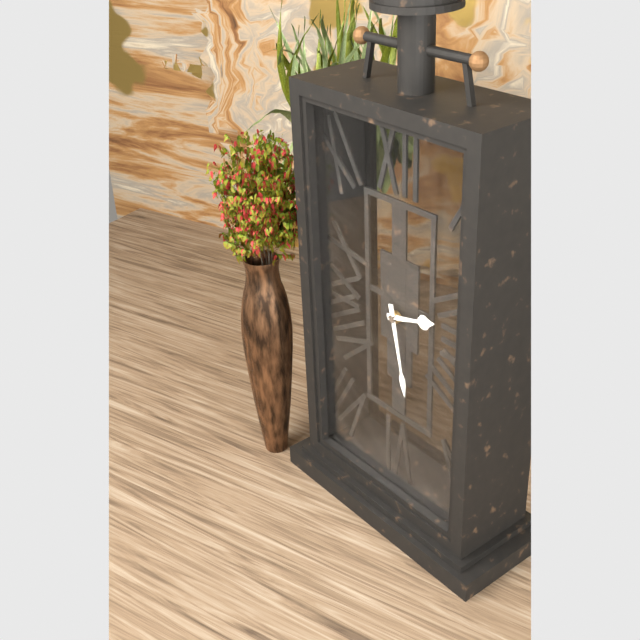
2:28
